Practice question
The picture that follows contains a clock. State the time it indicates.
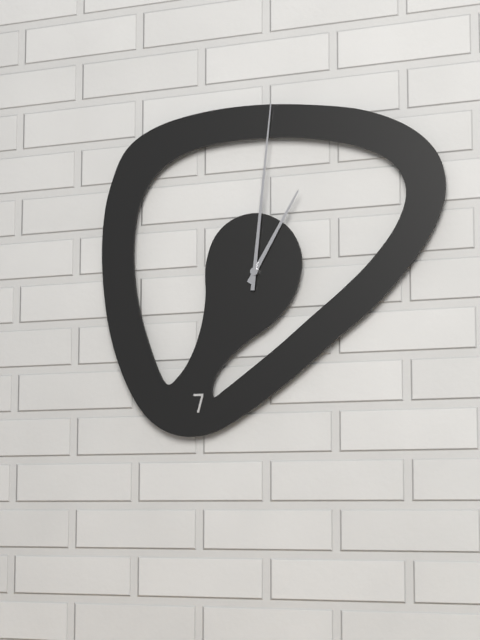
1:01
